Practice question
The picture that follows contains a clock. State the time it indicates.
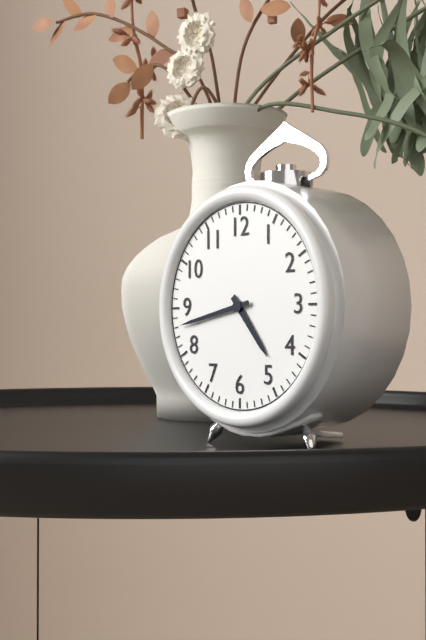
4:43
